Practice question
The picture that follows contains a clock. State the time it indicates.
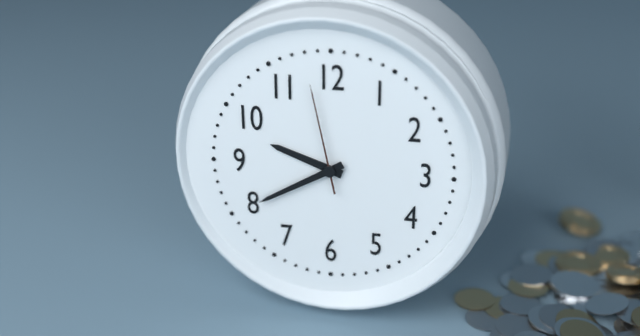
9:40:58
